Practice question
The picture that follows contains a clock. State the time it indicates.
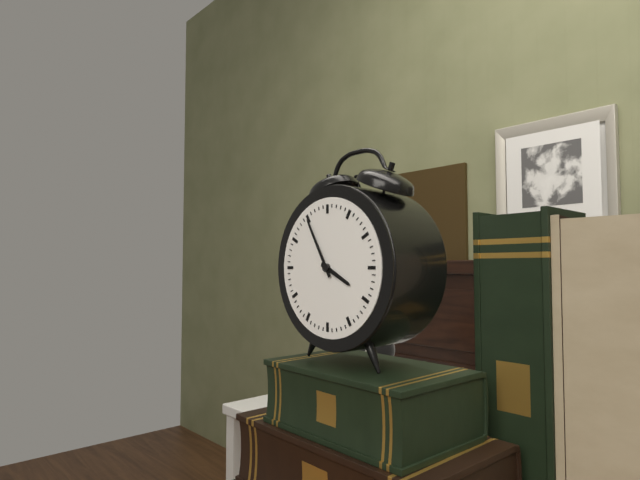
3:55
